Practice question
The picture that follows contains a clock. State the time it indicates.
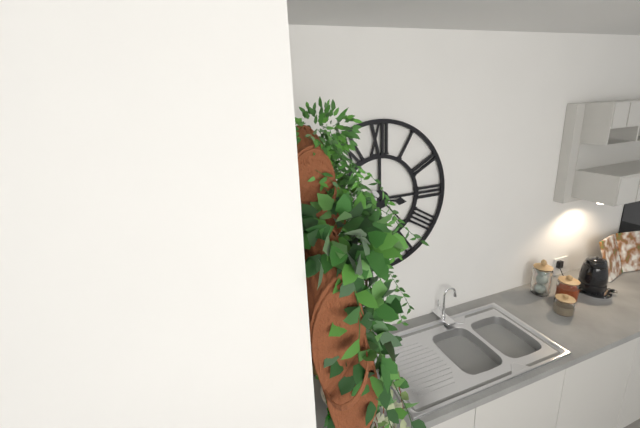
3:23
